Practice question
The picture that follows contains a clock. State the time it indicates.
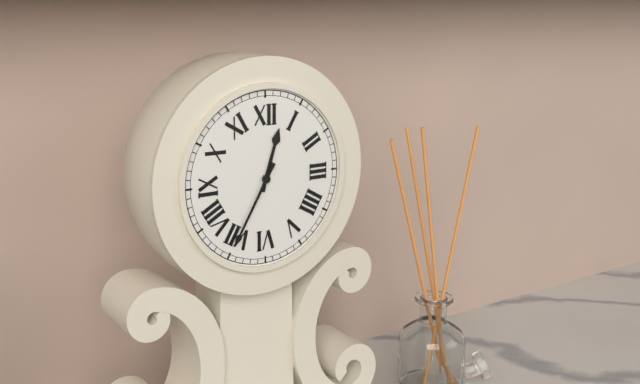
12:35
